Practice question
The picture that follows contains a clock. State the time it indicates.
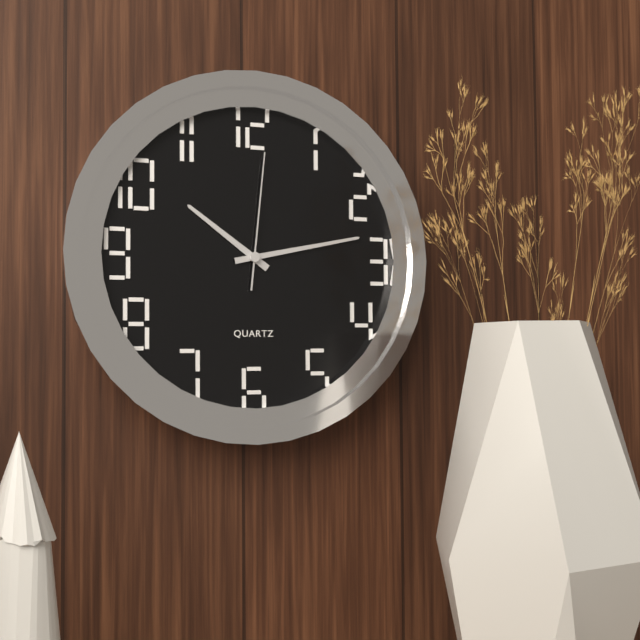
10:13:01
